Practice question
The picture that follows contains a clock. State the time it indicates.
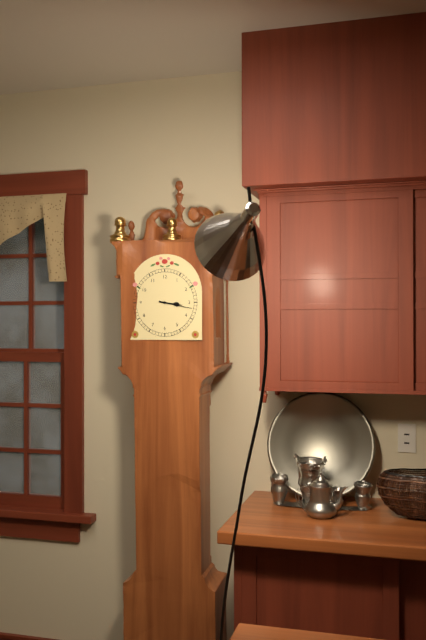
3:17
